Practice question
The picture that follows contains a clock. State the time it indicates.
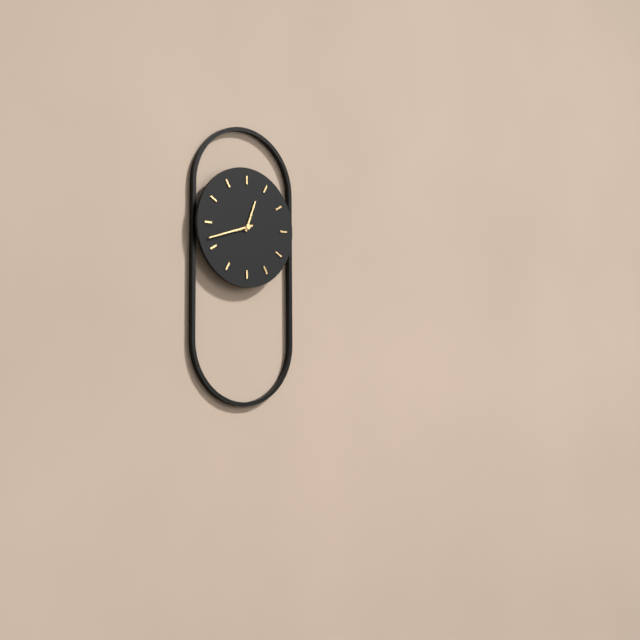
12:42
